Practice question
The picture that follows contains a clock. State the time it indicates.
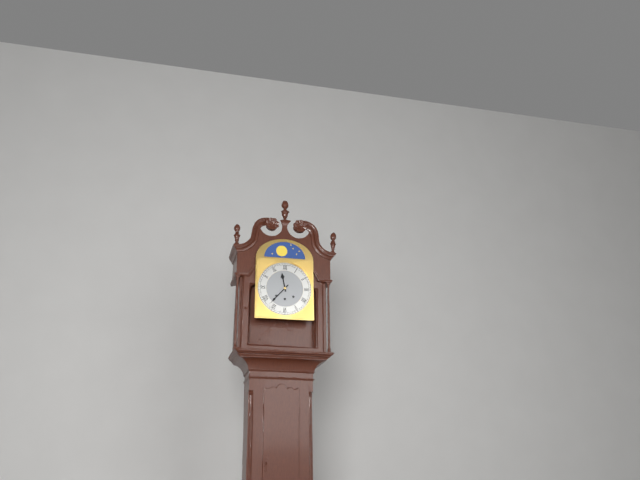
11:37
